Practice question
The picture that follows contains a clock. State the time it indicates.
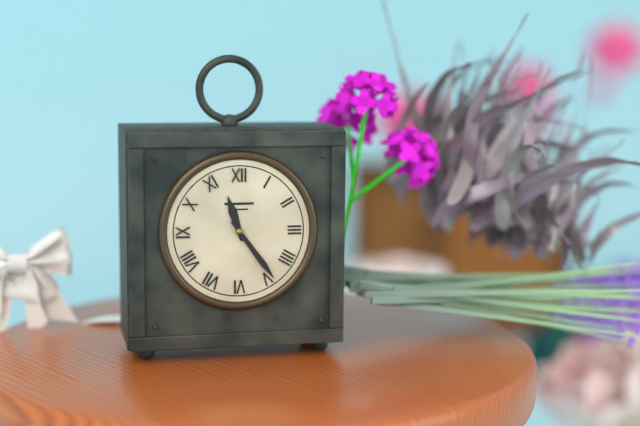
11:24
